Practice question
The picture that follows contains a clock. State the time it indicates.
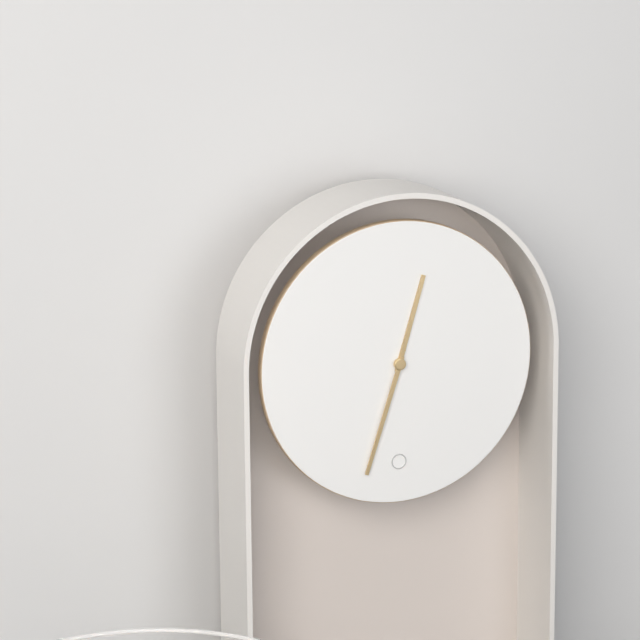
12:33
